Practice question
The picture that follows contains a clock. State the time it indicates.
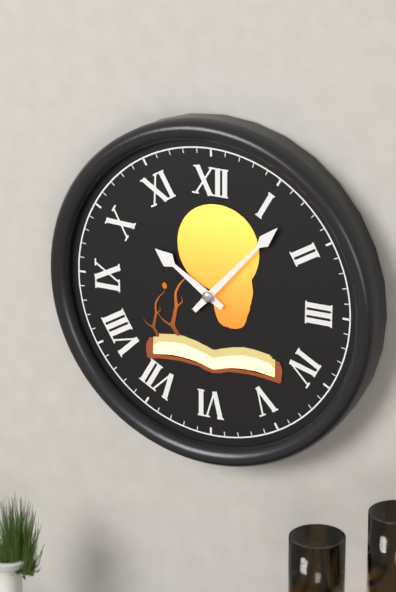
10:07
